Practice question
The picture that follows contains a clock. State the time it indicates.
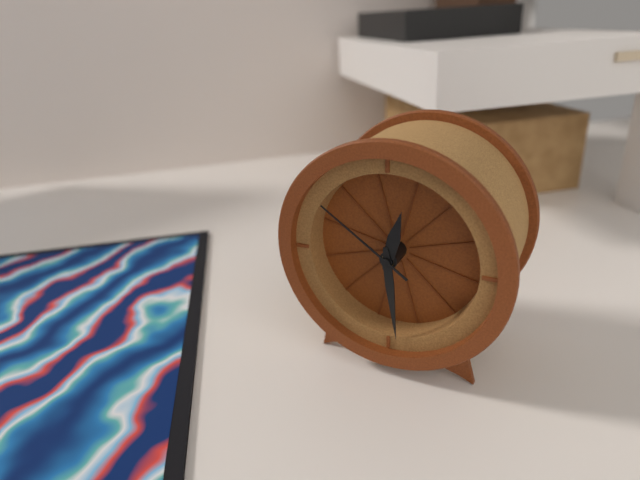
12:29:51
